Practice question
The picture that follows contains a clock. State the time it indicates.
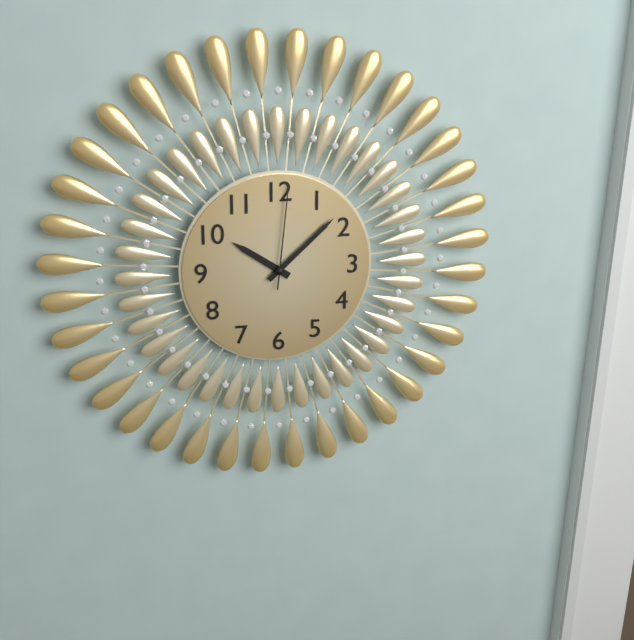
10:08:01
